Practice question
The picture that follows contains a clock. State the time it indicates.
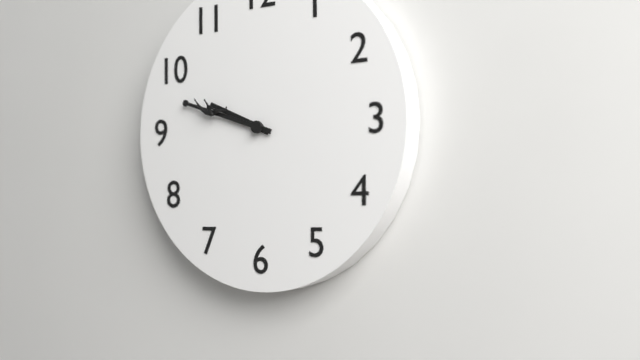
9:48
